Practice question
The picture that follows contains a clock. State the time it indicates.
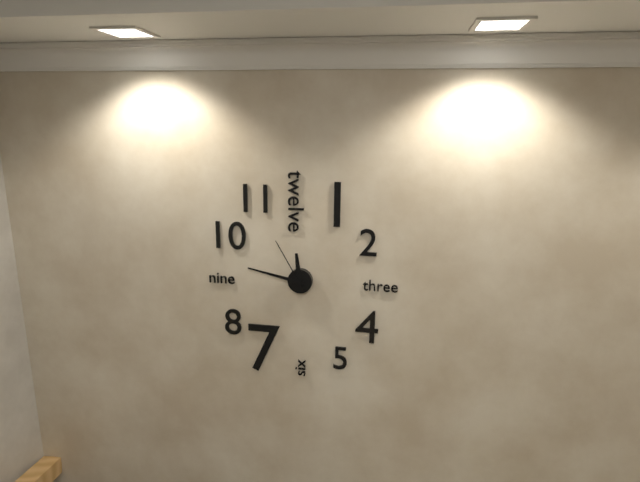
11:47:55
